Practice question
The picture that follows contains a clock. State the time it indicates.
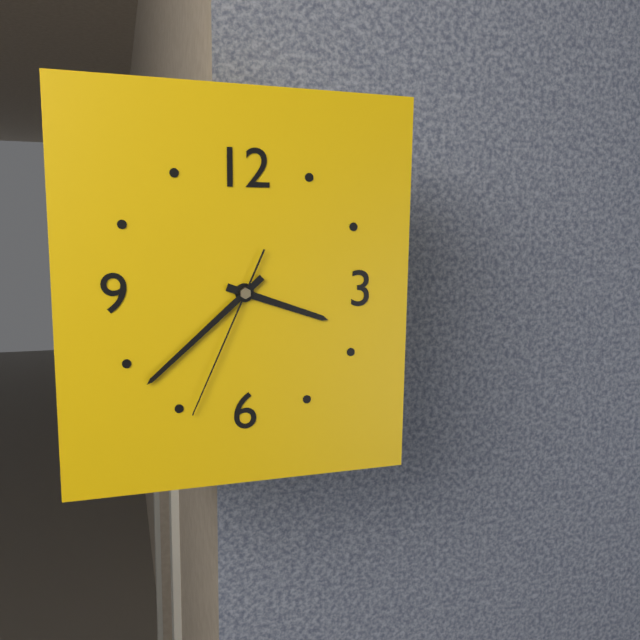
3:38:34
